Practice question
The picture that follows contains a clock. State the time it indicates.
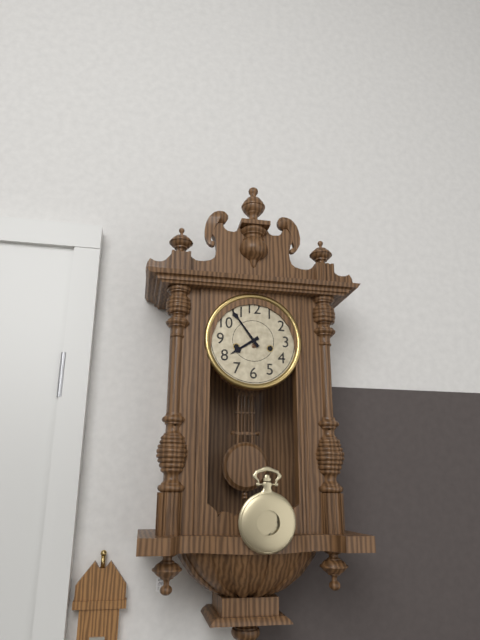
7:54
